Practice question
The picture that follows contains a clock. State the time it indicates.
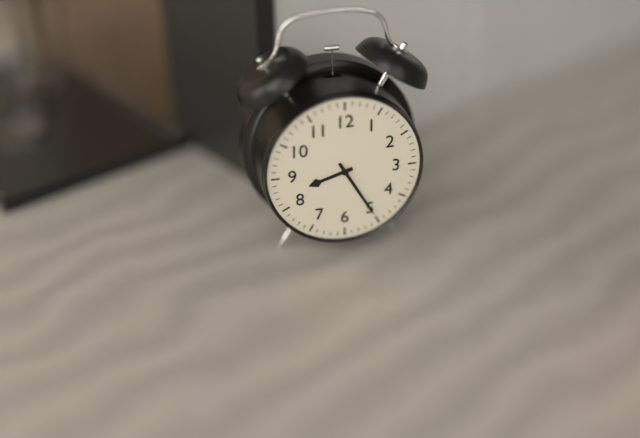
8:25
